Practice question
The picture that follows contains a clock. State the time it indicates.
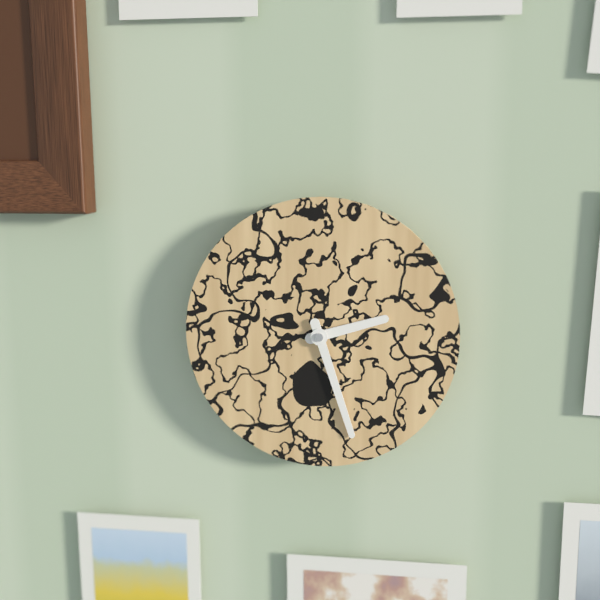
2:27
